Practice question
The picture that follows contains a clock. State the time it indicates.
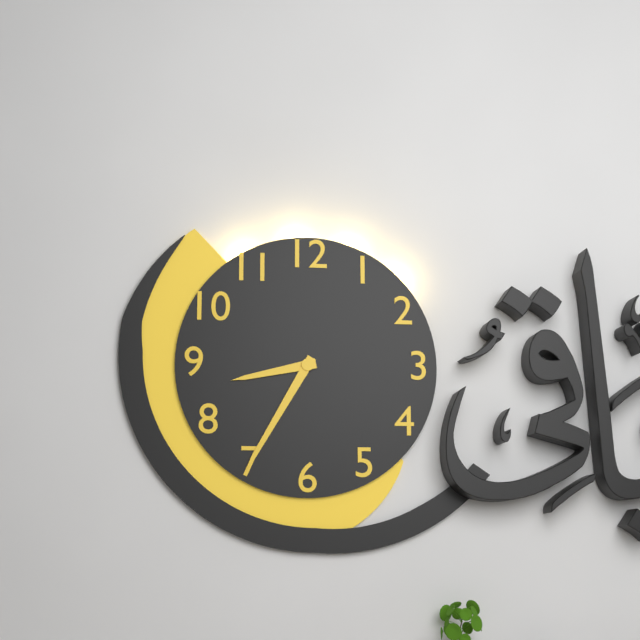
8:35
